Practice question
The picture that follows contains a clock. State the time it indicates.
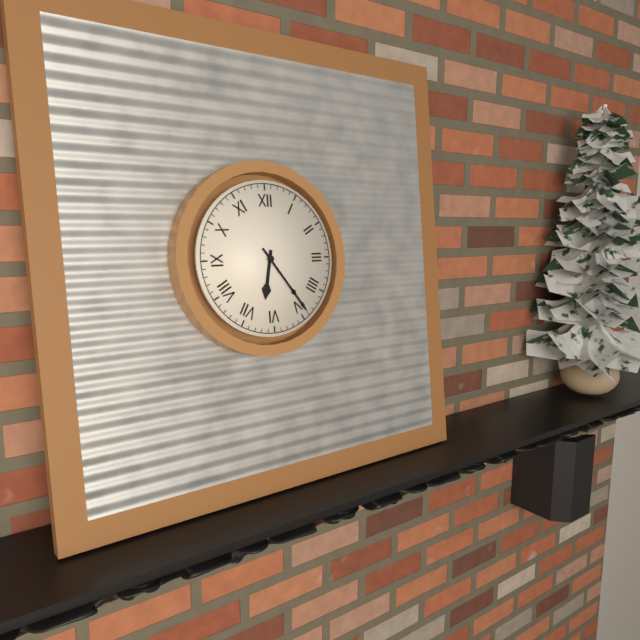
6:24
